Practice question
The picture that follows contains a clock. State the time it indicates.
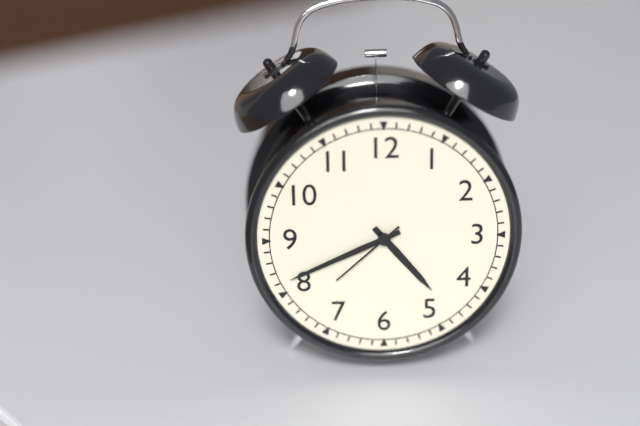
4:41:38
